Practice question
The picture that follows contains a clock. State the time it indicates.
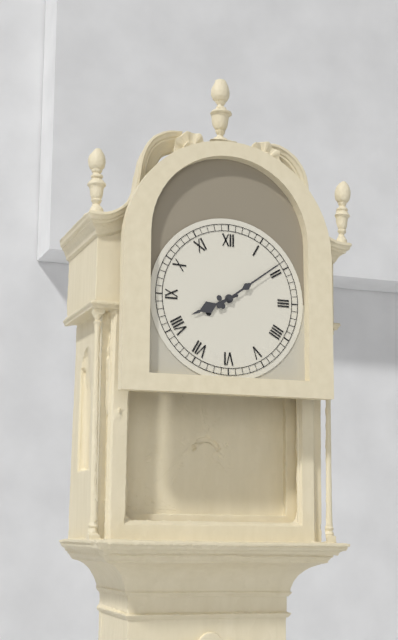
8:09
